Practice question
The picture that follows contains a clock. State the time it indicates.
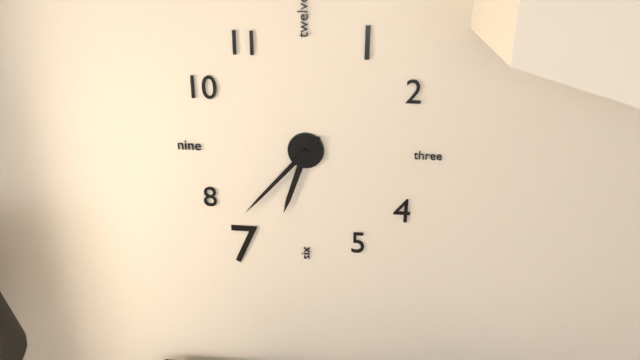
6:37
